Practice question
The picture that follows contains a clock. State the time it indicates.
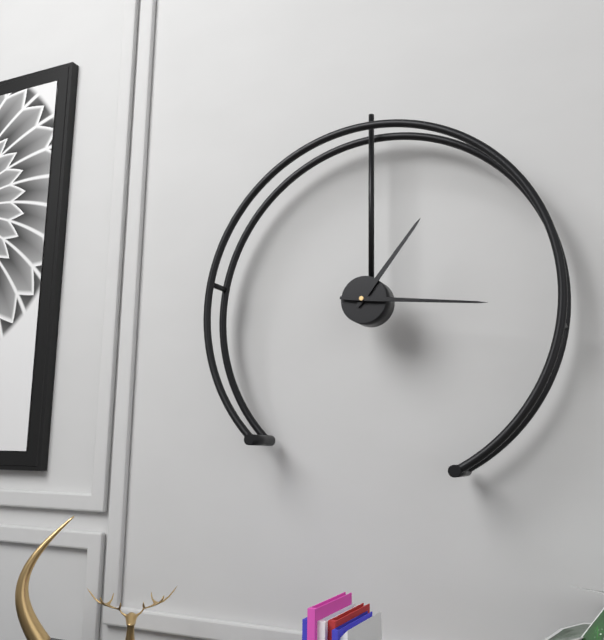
1:16
